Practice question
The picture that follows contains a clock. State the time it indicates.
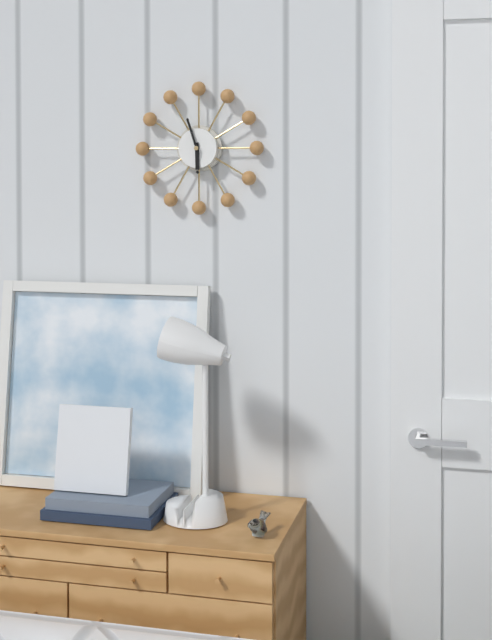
5:57
